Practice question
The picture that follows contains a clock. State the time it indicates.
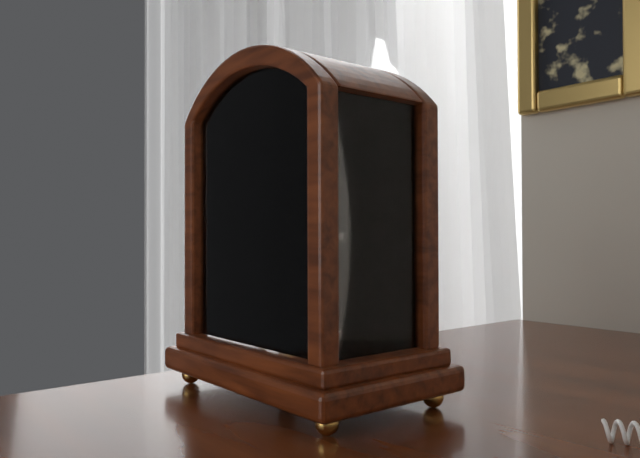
7:06
